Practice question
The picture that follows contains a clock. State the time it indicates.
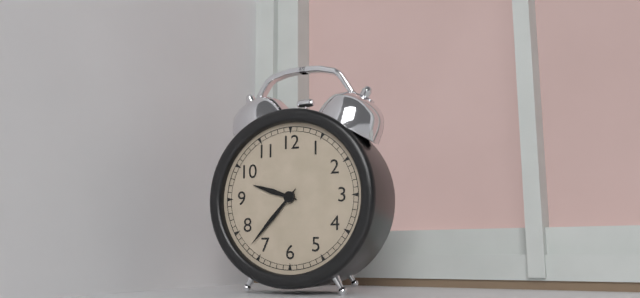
9:37
